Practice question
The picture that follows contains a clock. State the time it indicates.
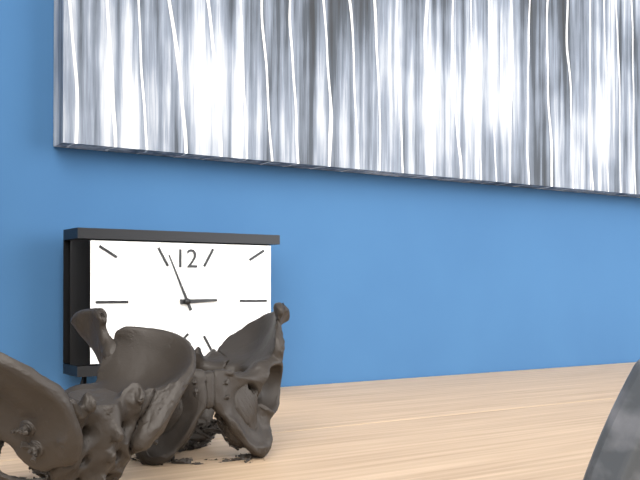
2:56
